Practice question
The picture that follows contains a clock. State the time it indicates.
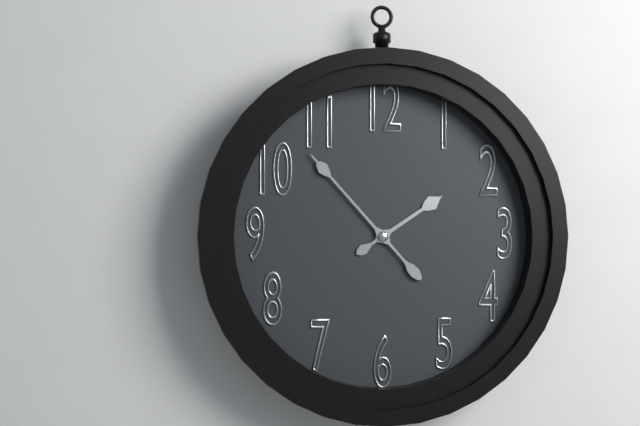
1:53
